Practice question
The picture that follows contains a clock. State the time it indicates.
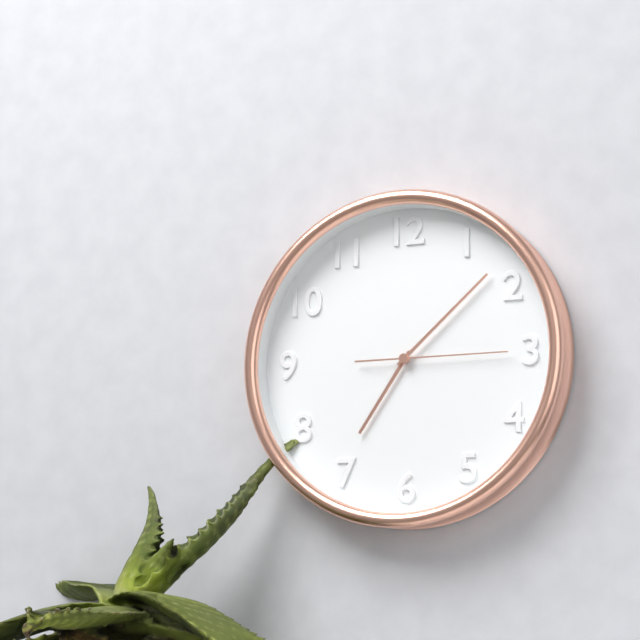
7:08:15
